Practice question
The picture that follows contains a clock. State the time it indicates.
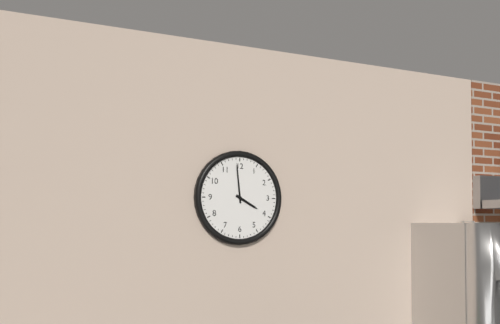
3:59
